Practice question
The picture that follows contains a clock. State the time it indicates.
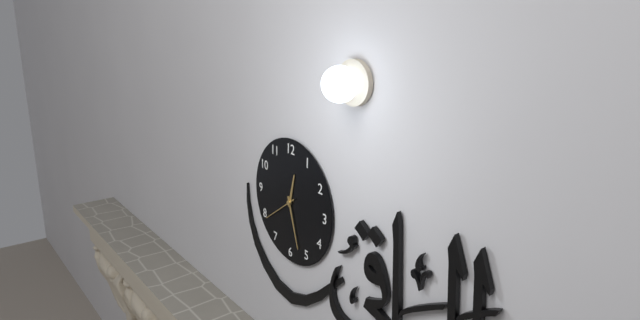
12:27
